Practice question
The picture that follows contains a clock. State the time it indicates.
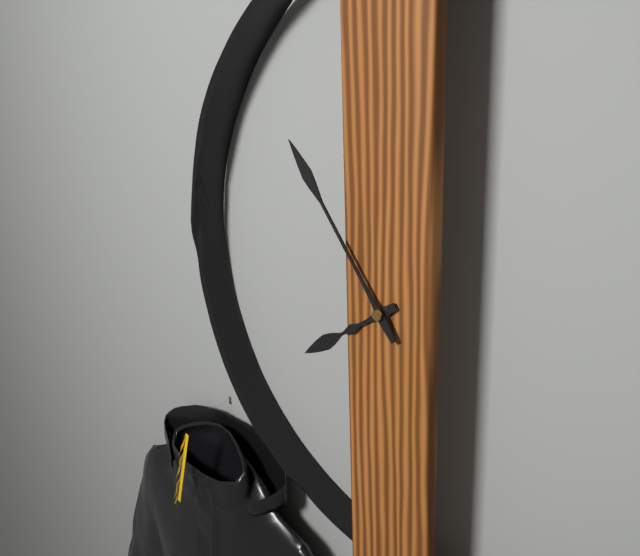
7:54
